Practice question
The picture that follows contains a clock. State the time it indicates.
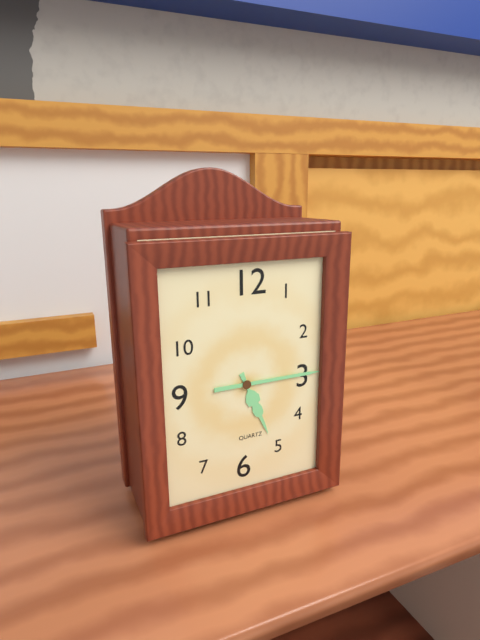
5:15
